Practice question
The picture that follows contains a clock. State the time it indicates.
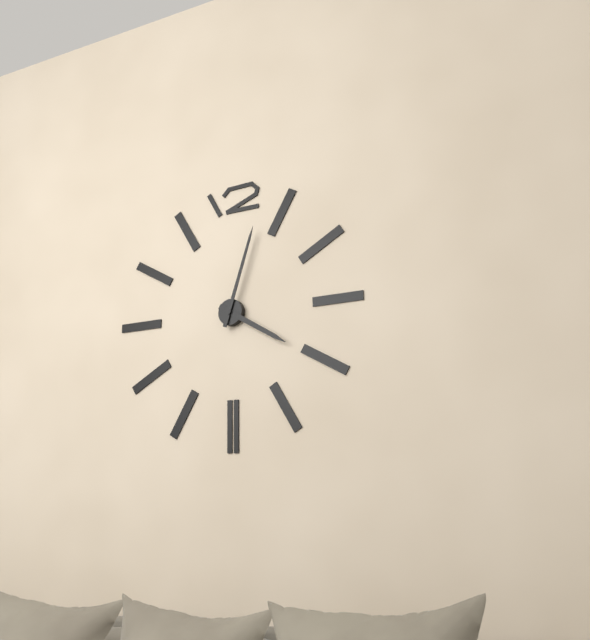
4:03
